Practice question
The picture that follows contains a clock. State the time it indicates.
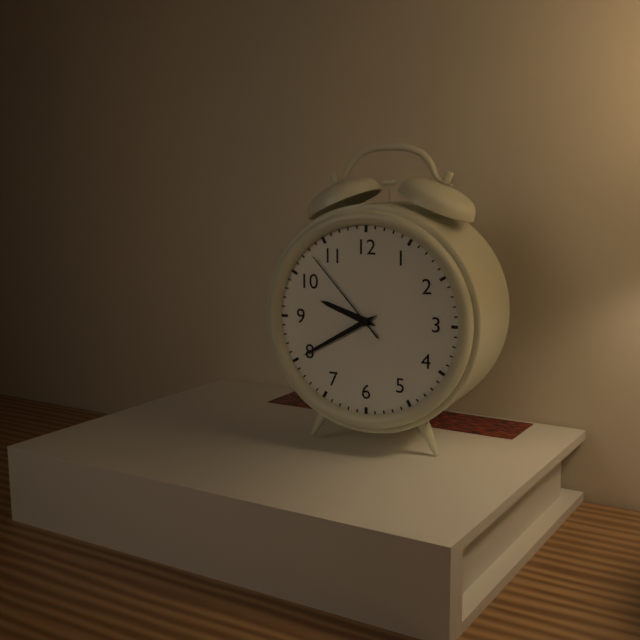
9:40:53
